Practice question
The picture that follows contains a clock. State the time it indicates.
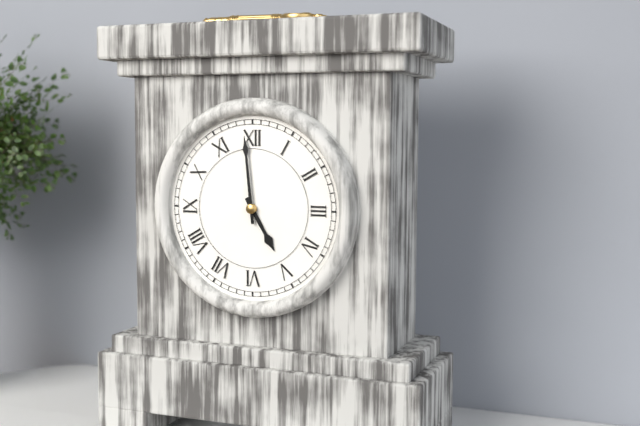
4:59
